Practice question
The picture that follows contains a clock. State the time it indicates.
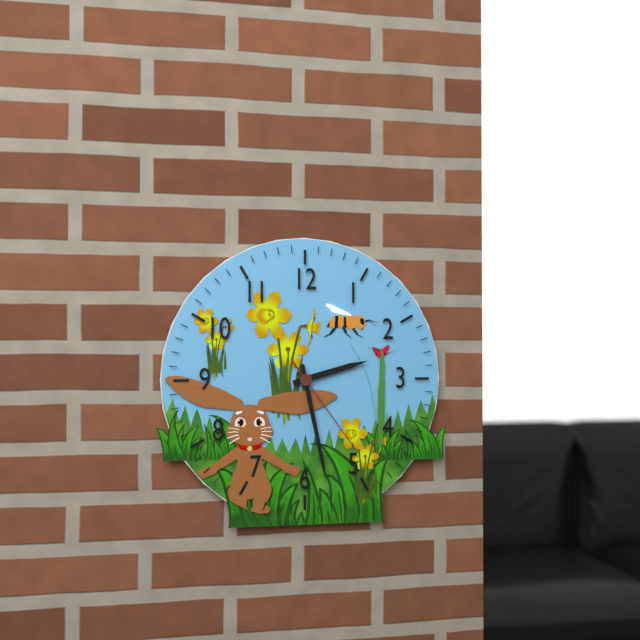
2:28:24
